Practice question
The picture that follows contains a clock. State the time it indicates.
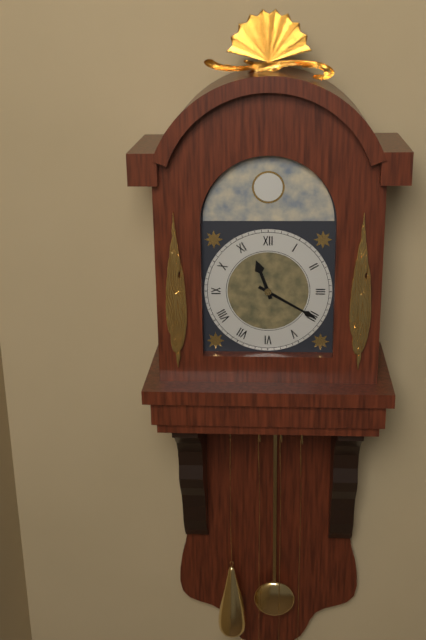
11:20
